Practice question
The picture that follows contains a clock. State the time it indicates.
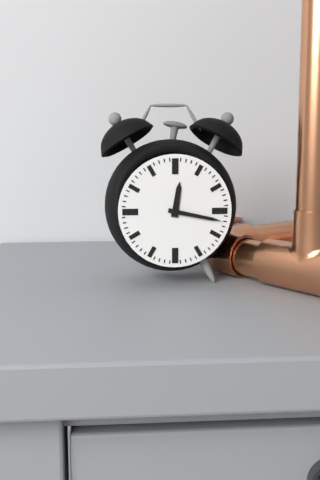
12:17
